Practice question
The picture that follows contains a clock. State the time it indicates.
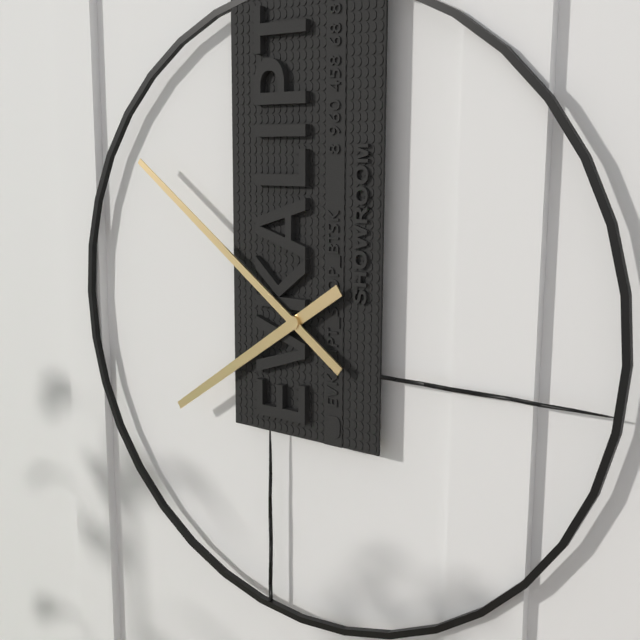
7:51
